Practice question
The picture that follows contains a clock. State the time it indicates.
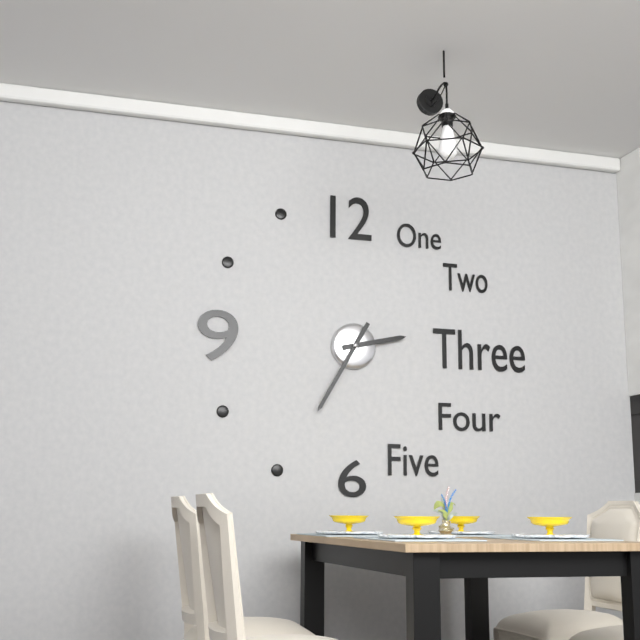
2:35
